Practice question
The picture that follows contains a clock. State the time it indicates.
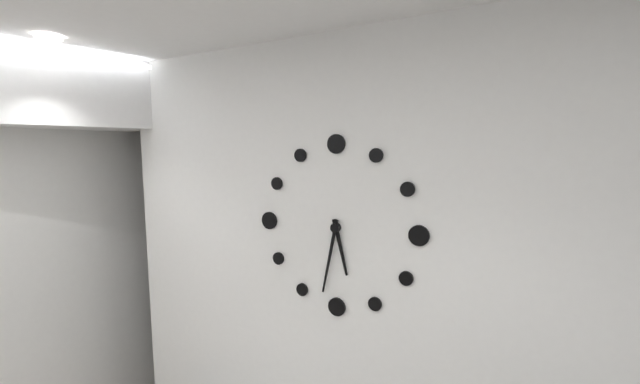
5:32
